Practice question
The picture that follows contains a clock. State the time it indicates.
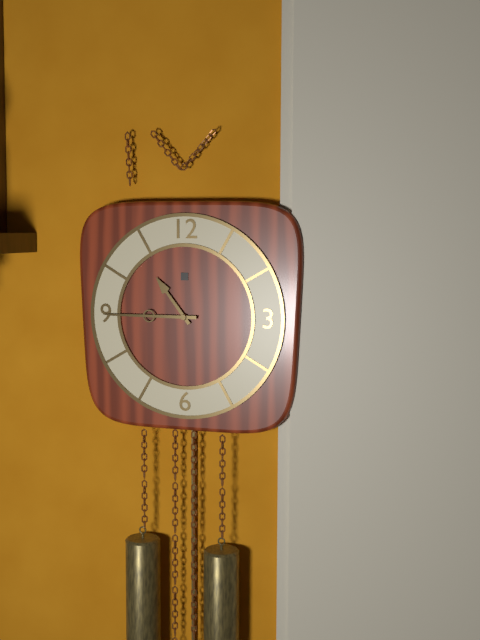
10:45
